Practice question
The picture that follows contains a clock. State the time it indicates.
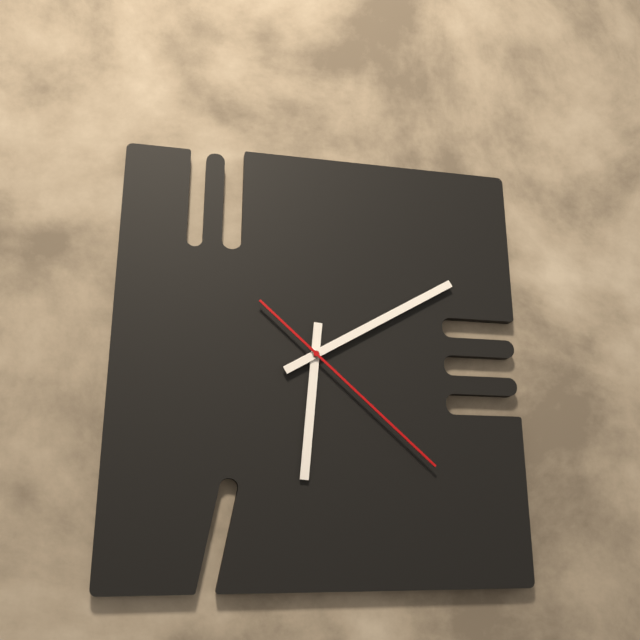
6:10:22
